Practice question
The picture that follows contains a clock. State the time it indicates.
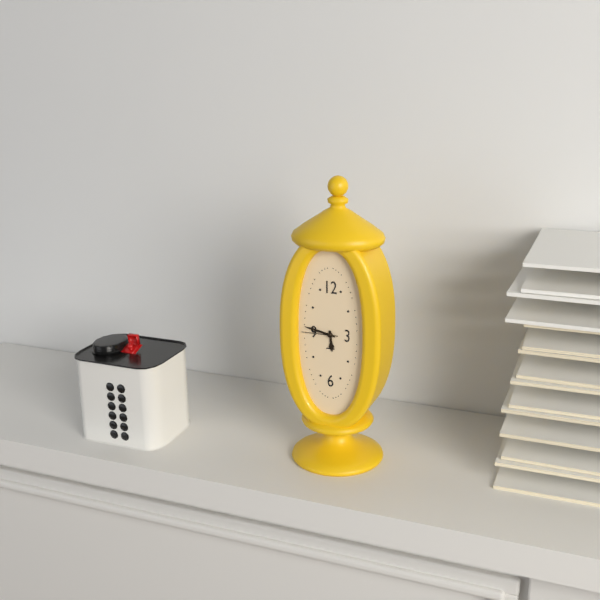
5:47
